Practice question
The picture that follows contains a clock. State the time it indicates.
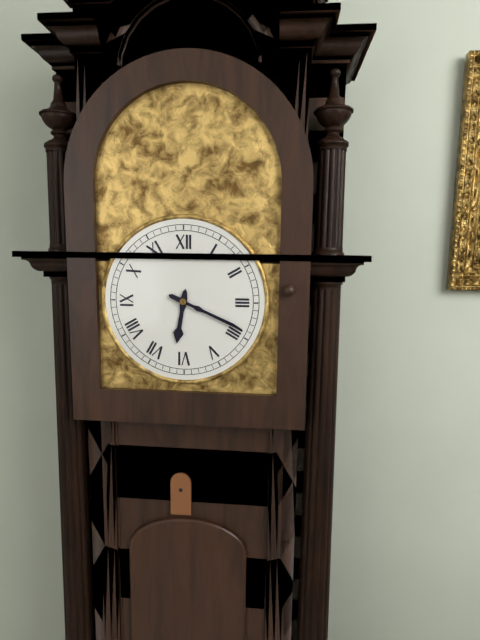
6:19
